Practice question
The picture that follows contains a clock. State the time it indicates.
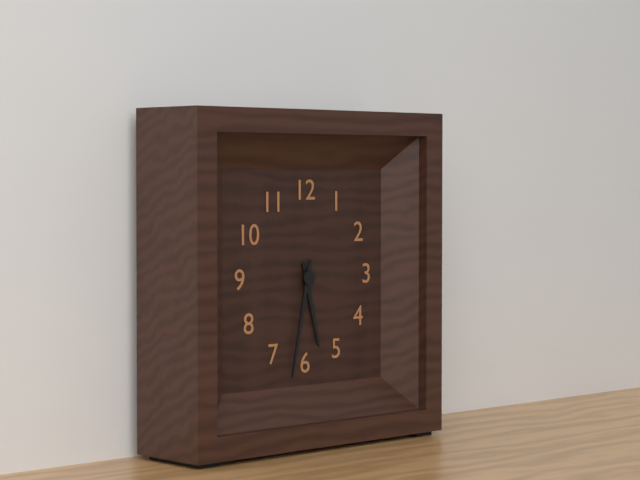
5:32
